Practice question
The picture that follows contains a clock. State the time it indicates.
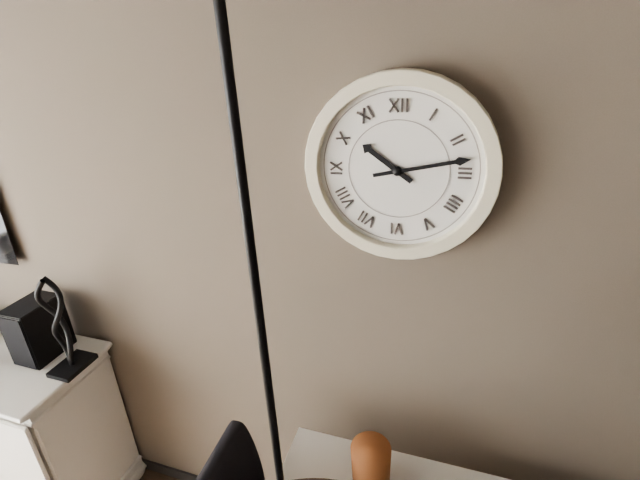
10:13
